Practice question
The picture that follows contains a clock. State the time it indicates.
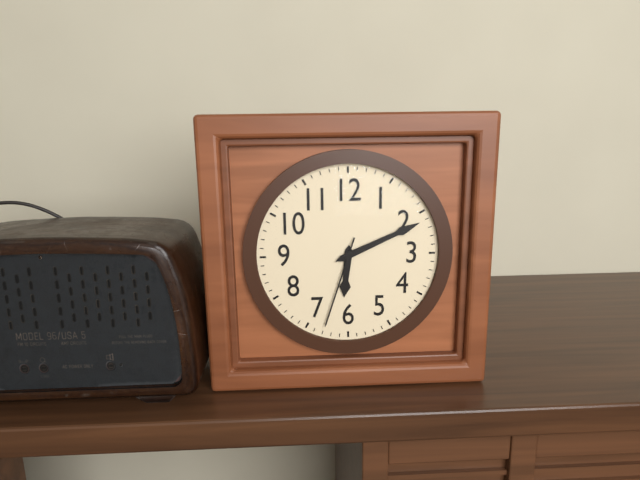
6:11:33
